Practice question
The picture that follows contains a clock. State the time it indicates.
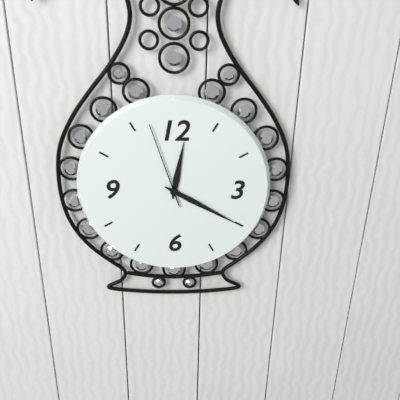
12:20:57
